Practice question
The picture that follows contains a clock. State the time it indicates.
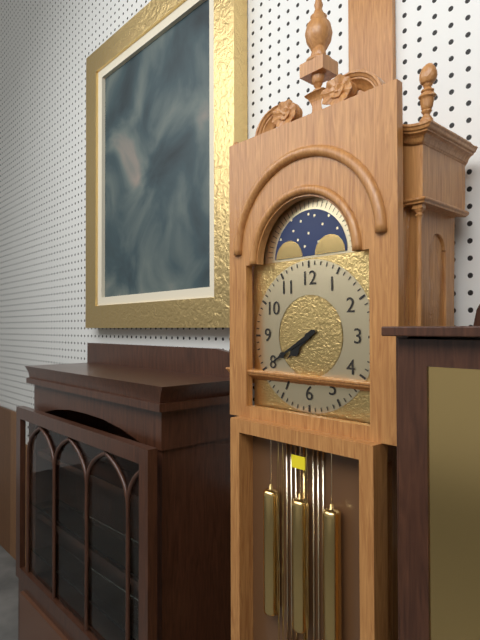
7:40
